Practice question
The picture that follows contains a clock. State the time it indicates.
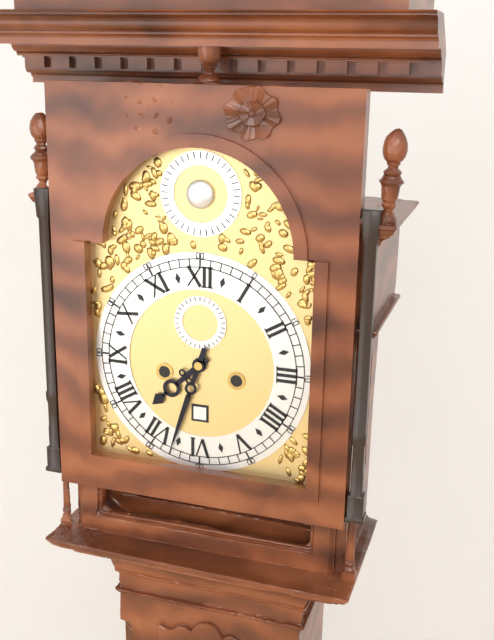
7:33
